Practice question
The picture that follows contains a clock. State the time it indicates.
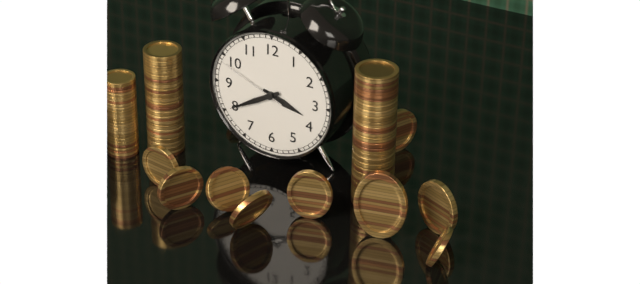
3:40:49
